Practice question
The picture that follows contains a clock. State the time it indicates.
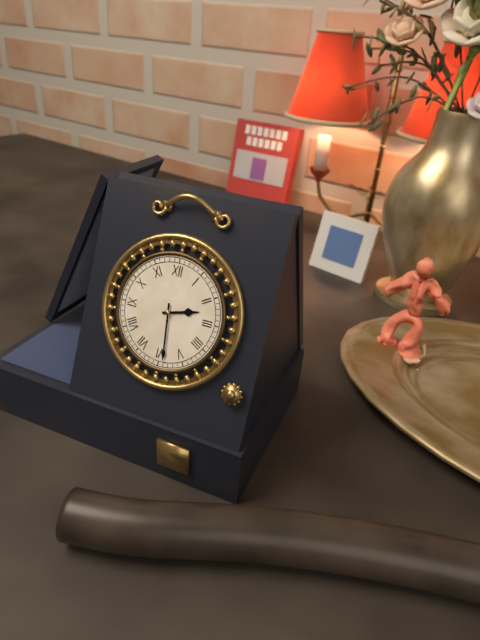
2:29
